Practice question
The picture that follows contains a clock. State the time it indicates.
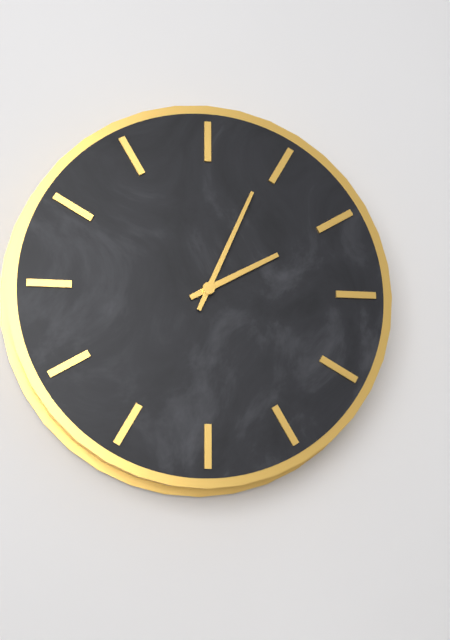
2:04
